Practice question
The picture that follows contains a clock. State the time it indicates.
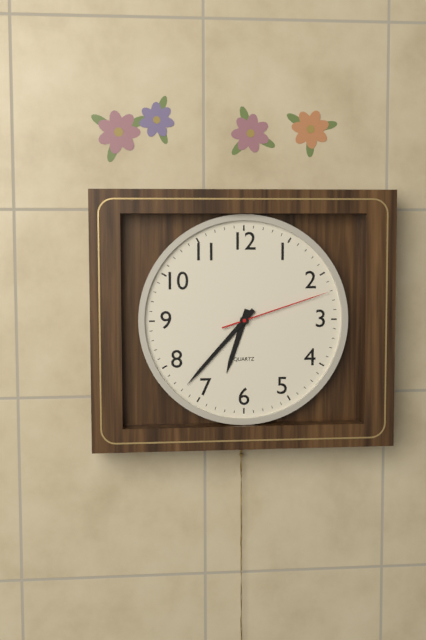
6:37:12
